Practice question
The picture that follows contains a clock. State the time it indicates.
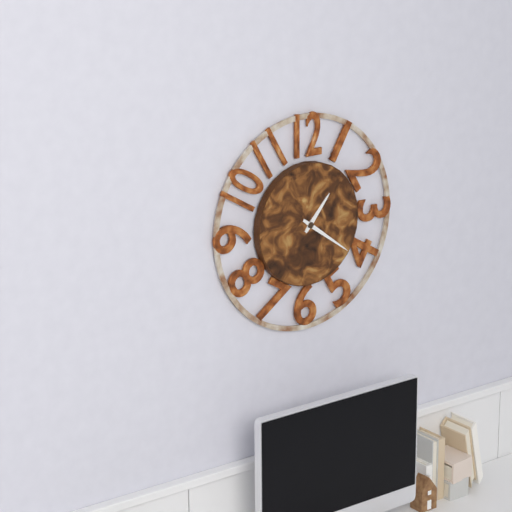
1:21
